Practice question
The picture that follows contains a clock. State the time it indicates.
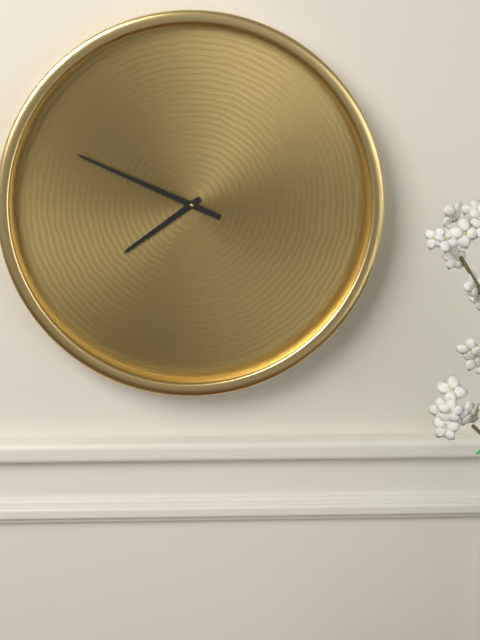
7:49
